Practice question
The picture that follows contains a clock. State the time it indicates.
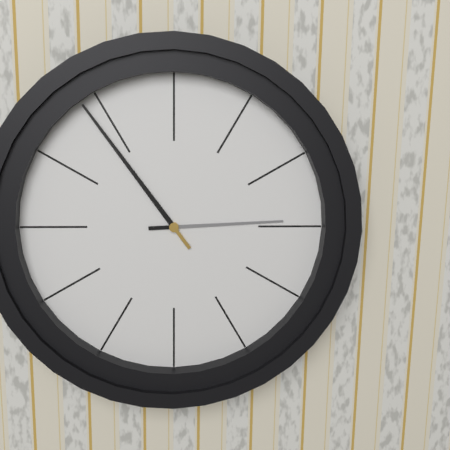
2:54
